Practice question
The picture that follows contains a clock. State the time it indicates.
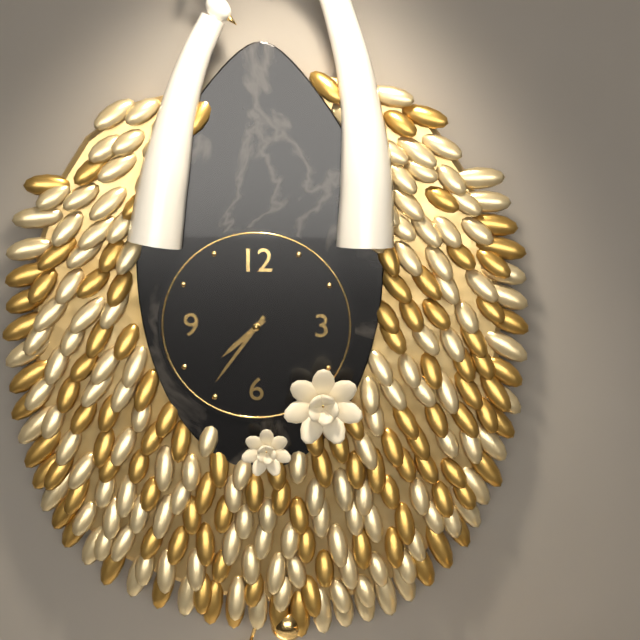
7:36
